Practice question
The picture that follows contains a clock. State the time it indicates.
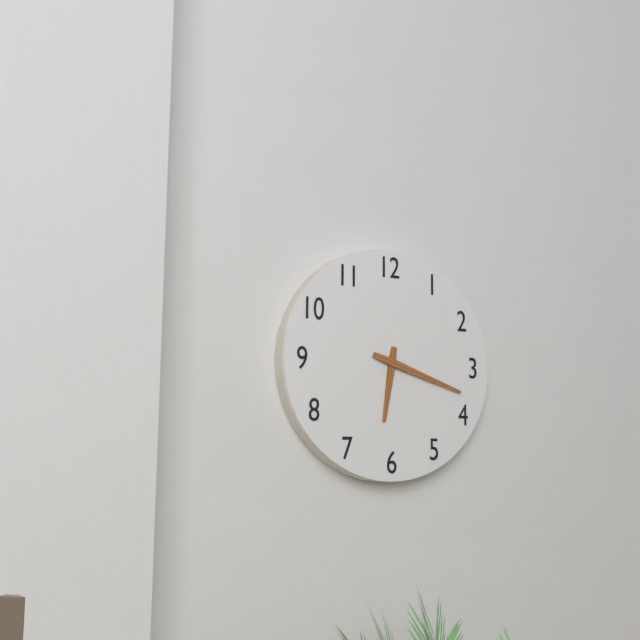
6:18
